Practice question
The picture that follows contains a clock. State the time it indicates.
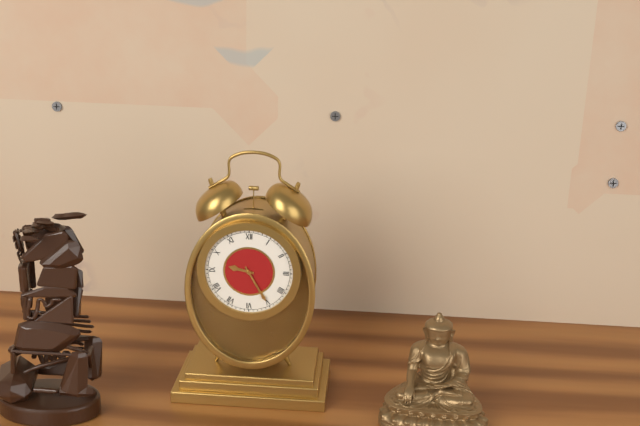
9:25
